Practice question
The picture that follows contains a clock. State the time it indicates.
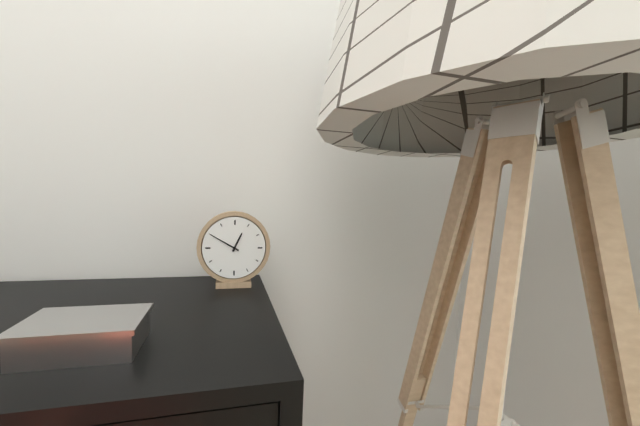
12:50
